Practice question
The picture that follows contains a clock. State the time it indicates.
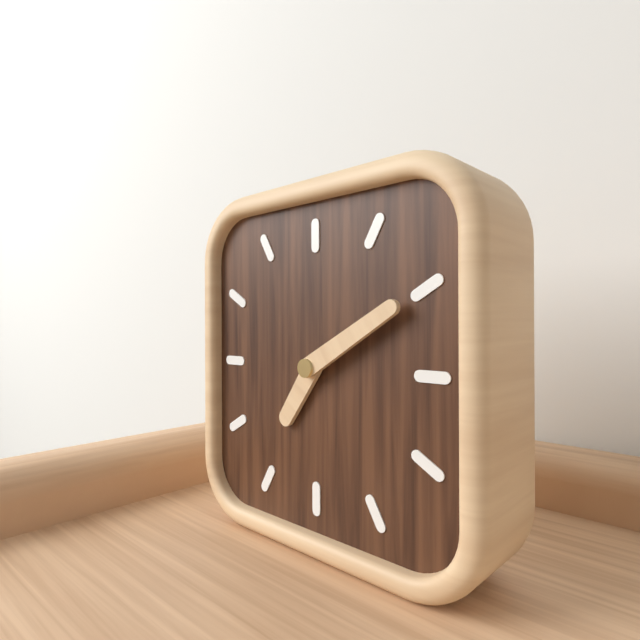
7:10
